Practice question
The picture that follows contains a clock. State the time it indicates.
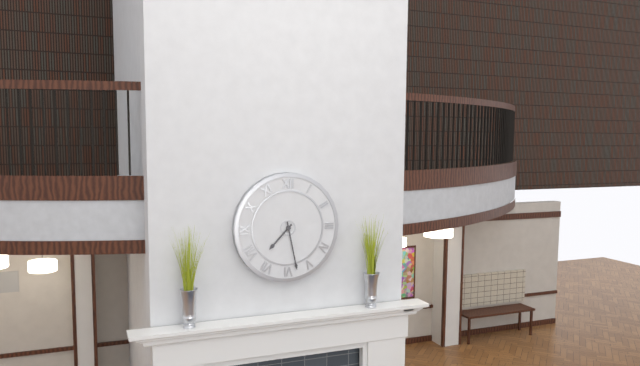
7:28
